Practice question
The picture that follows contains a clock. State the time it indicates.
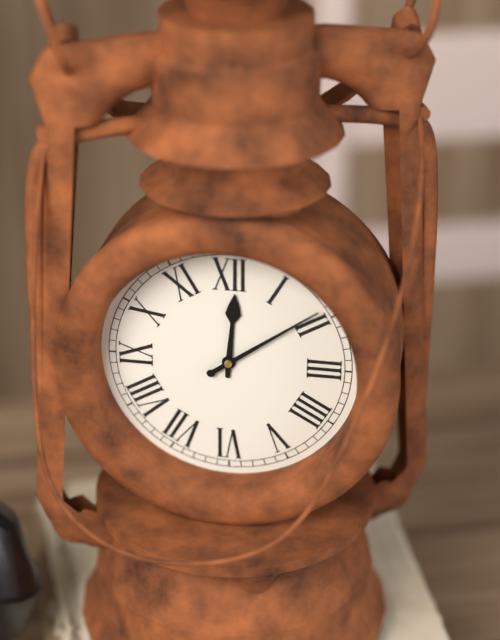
12:09
